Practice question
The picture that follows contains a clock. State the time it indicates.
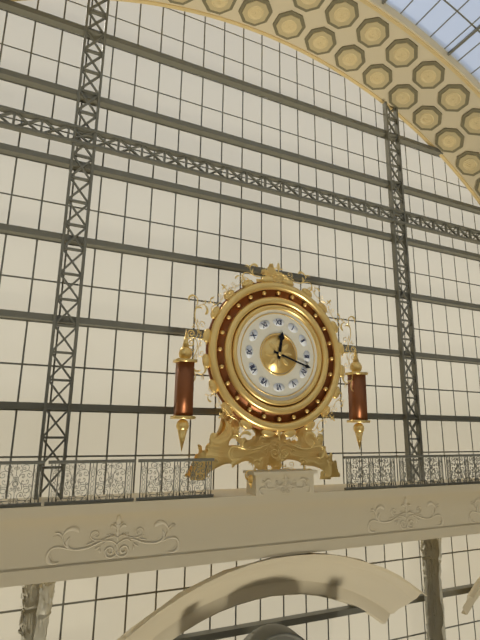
12:18
